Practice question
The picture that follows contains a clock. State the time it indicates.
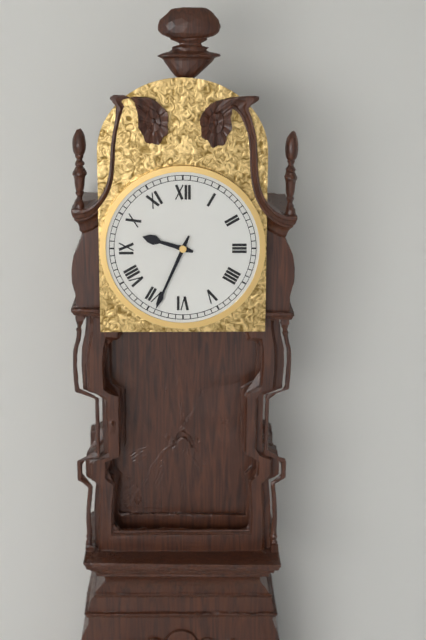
9:34
